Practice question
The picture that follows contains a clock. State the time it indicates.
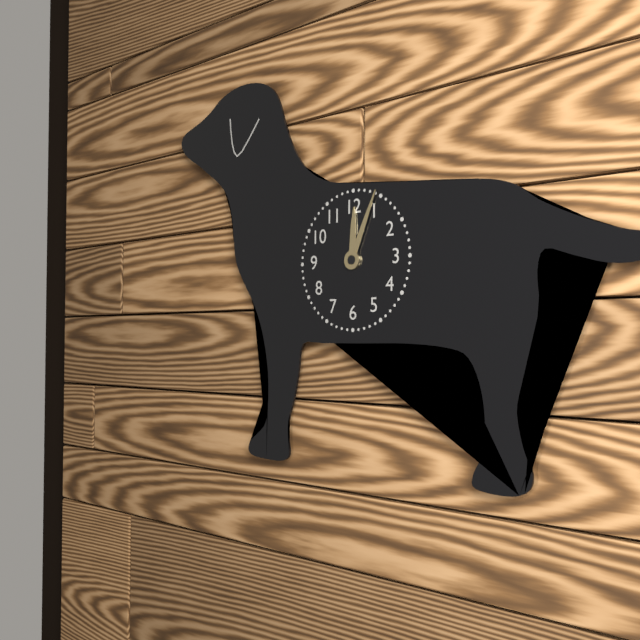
12:04
